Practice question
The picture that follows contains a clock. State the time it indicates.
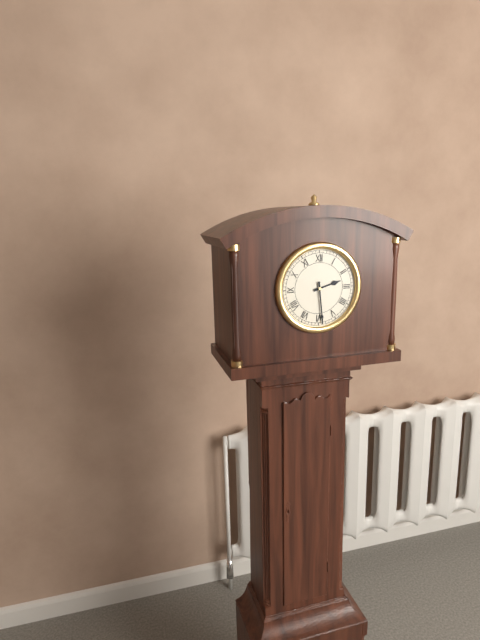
2:29
